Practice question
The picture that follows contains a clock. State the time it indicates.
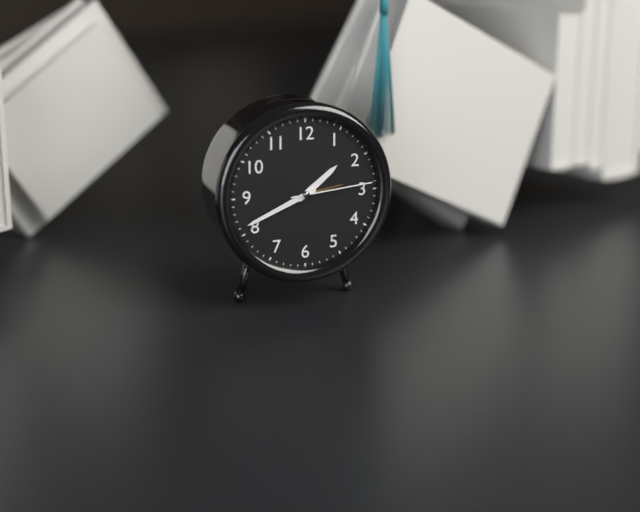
1:41:14
